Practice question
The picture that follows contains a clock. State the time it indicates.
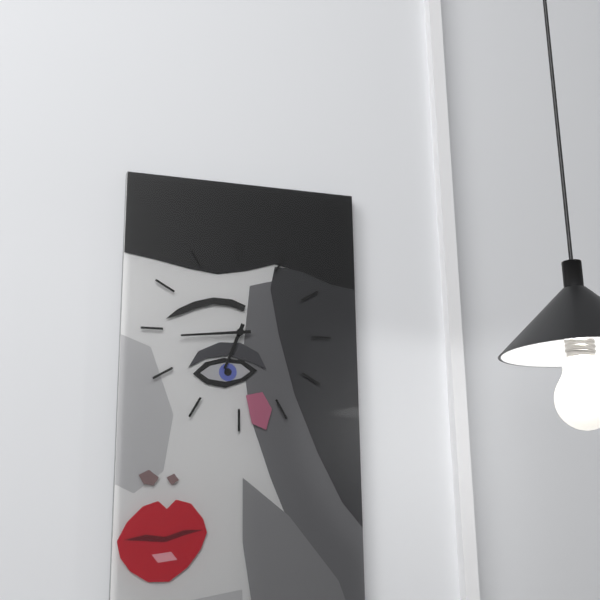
6:44
